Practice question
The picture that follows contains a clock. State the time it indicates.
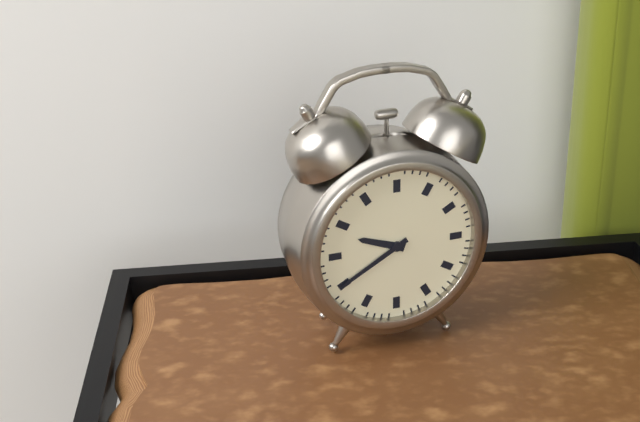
9:40
